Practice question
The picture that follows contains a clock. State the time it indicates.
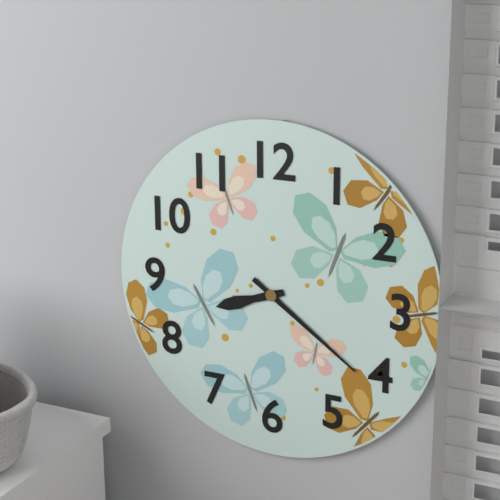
8:21
